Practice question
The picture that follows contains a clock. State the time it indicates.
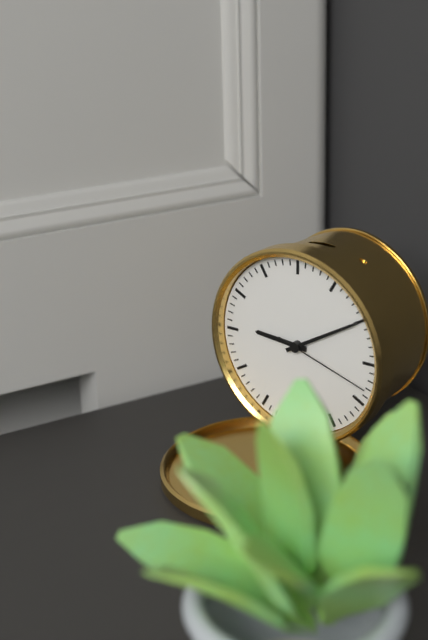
9:10:18
